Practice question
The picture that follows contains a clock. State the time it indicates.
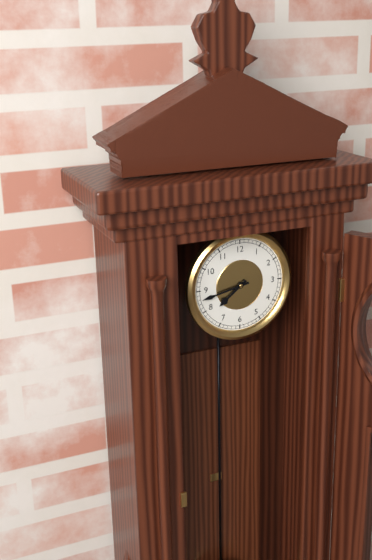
7:43
